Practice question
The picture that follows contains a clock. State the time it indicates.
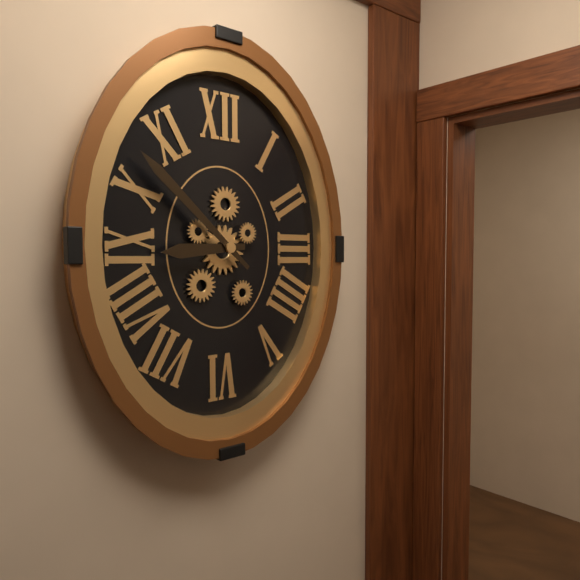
8:52
